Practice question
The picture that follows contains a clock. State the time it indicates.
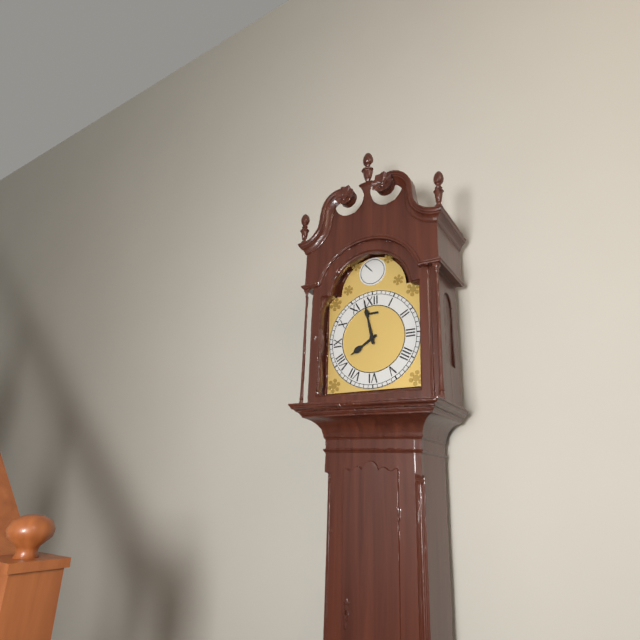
7:58
